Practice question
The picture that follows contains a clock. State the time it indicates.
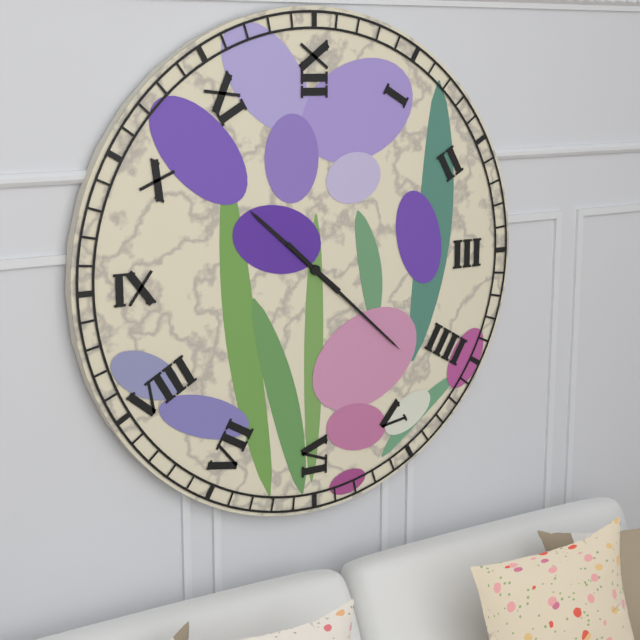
10:22
